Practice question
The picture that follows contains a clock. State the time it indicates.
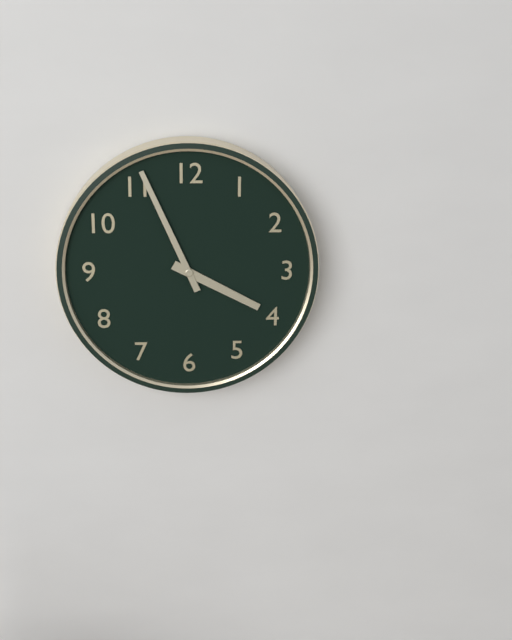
3:56
